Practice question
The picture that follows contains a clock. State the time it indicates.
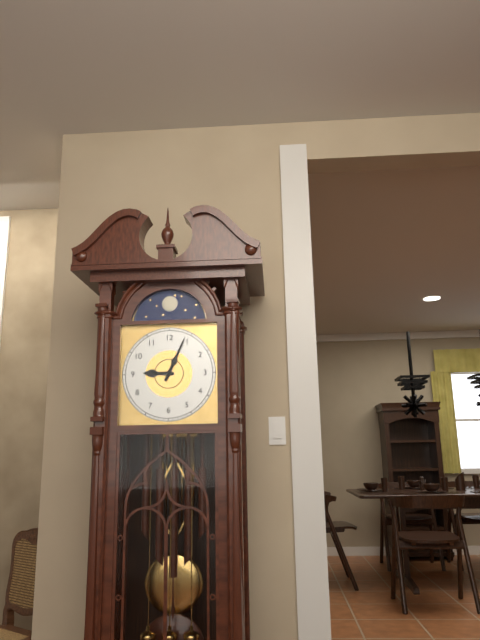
9:04
